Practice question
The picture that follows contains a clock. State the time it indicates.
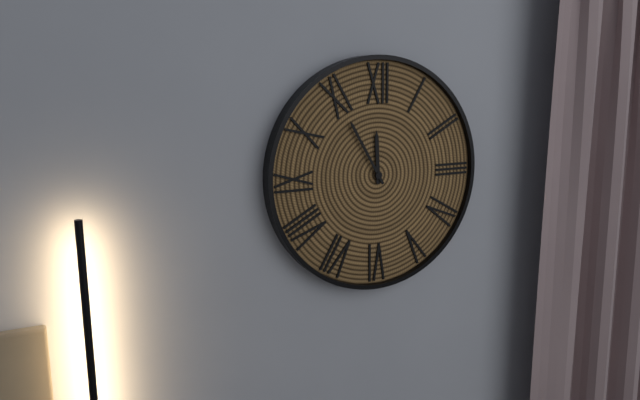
11:55
